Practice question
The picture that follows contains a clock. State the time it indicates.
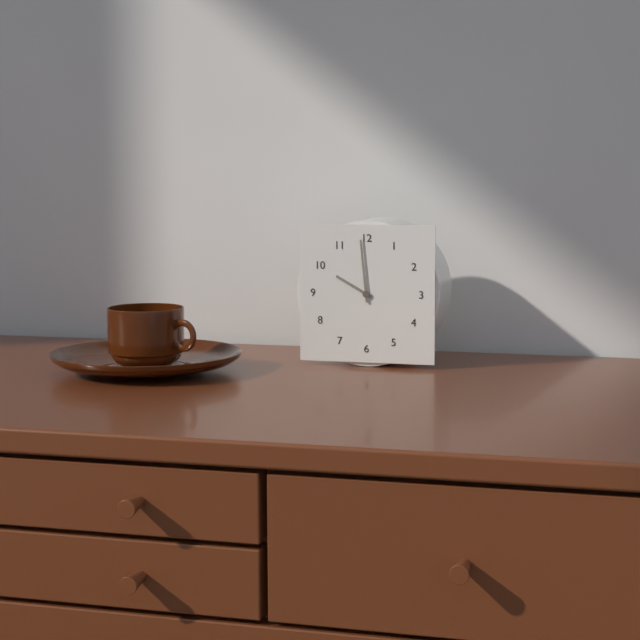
9:59
